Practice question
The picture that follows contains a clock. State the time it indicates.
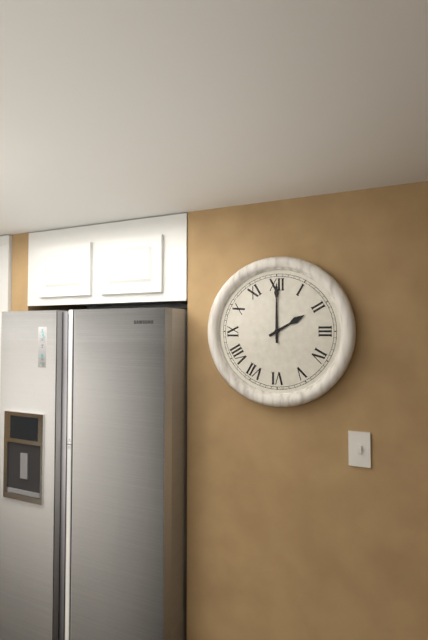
2:00
